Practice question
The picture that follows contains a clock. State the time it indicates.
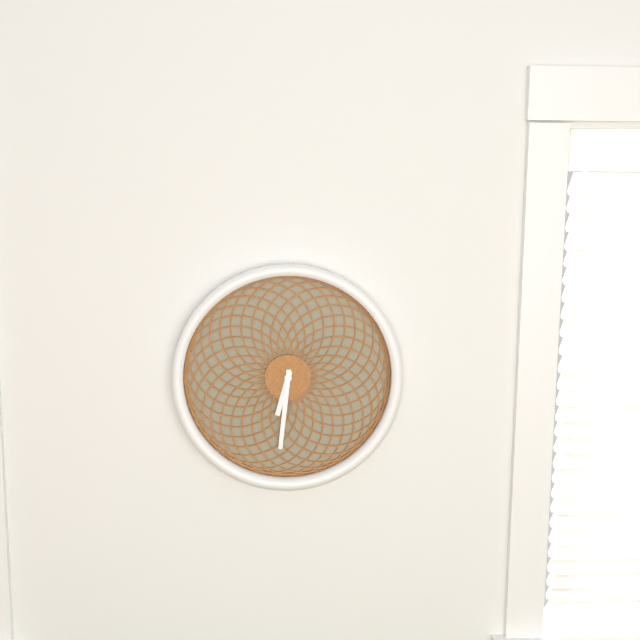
6:31
